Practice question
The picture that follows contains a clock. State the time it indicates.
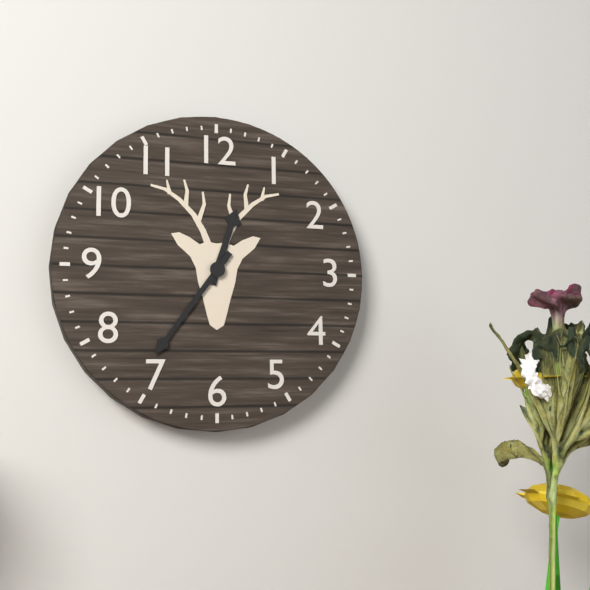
12:36
